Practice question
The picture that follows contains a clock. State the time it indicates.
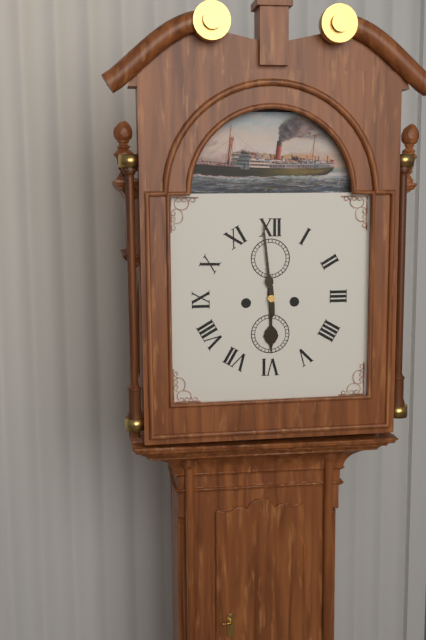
5:59
